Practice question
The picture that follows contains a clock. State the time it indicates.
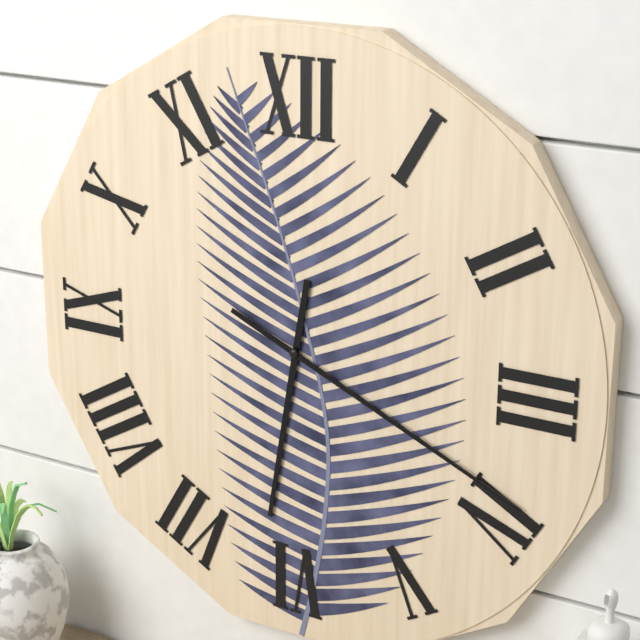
6:19
